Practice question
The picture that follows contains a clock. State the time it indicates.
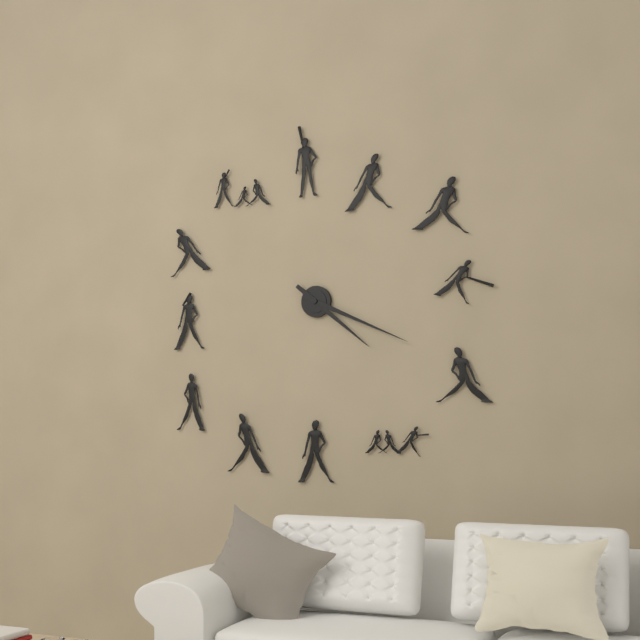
4:19
